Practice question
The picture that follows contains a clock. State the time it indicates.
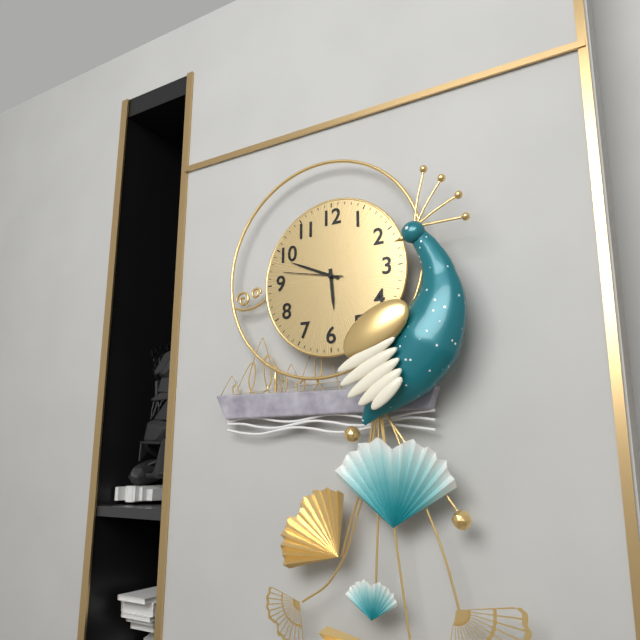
5:49:47
